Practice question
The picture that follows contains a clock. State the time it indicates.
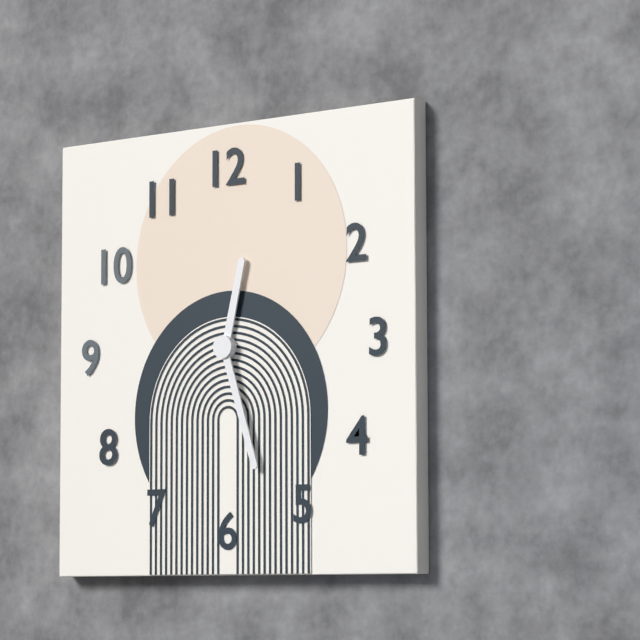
12:27
